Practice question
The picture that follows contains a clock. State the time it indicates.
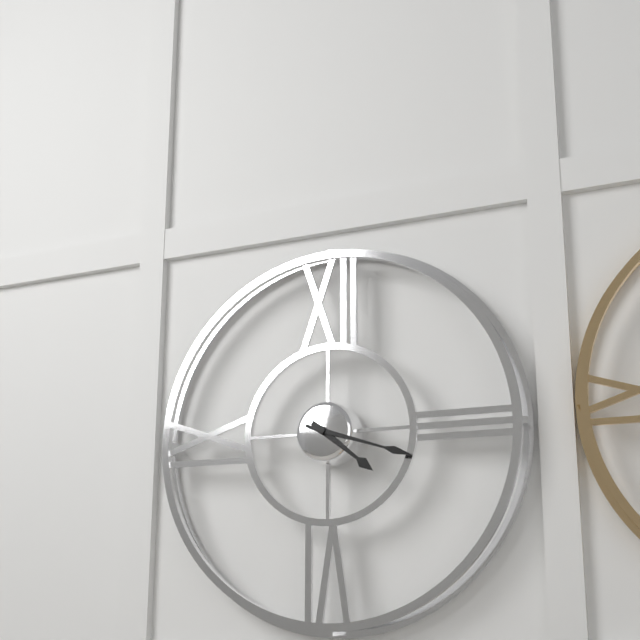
4:18
